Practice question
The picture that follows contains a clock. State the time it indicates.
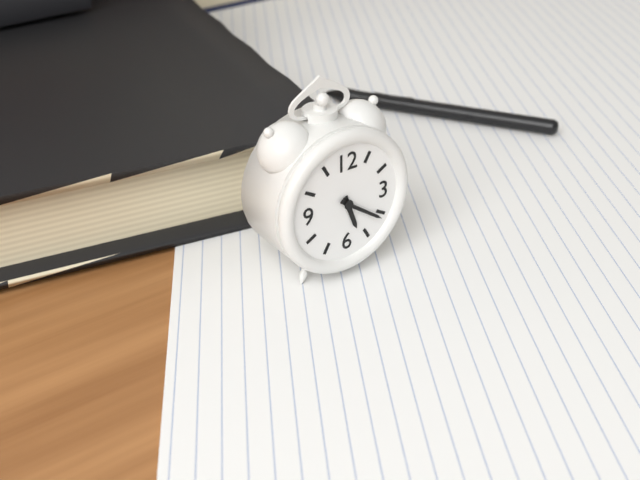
5:21
